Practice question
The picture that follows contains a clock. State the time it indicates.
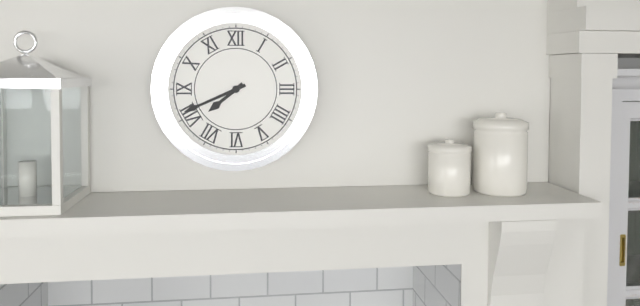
7:41
